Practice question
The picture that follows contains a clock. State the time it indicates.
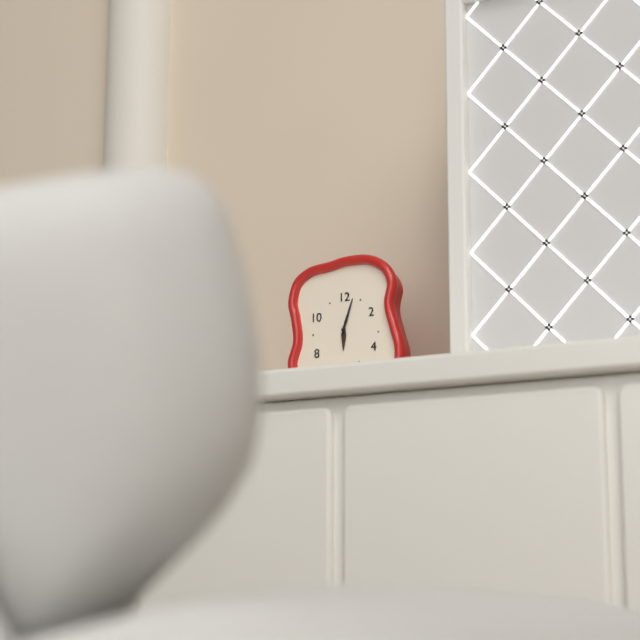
6:03
